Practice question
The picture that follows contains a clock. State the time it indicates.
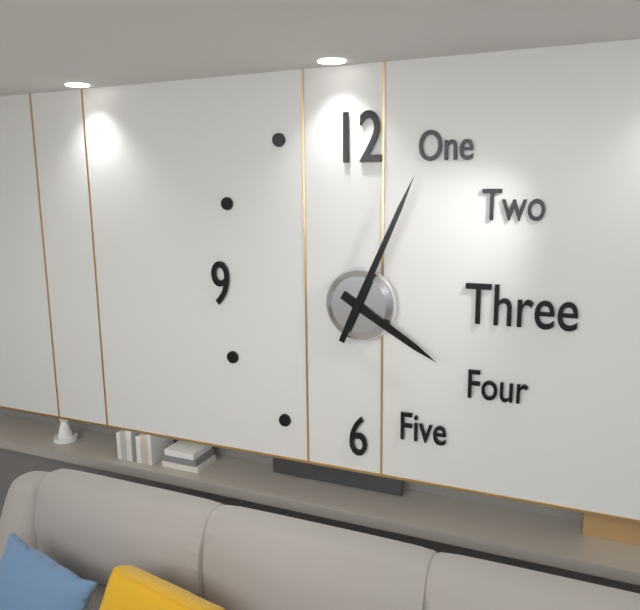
4:04
